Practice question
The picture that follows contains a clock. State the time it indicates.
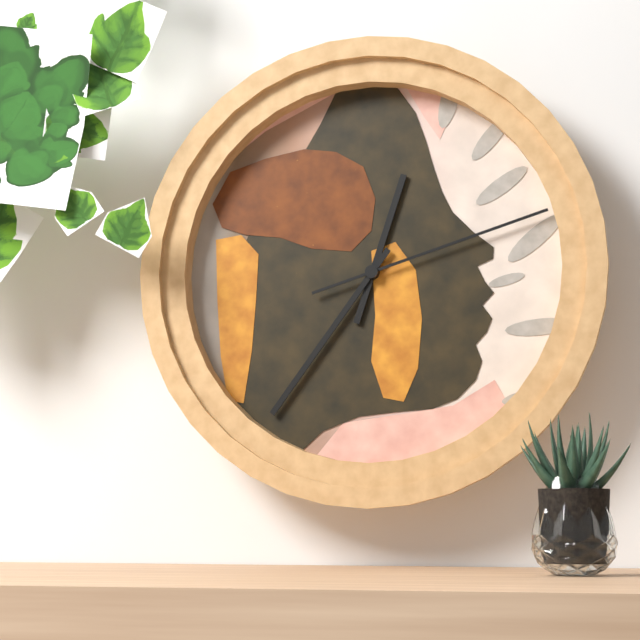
12:36:12
